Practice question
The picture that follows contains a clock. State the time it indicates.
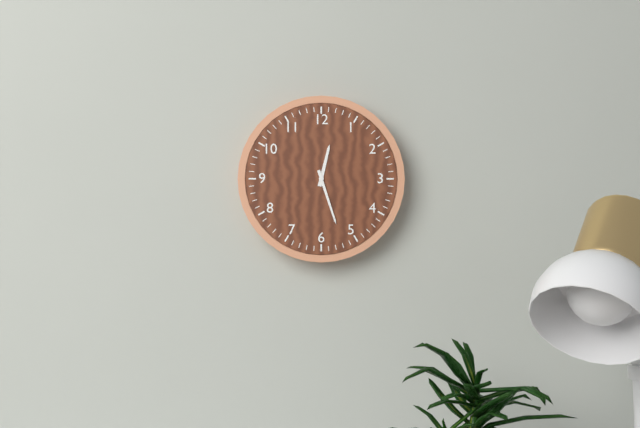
12:27
